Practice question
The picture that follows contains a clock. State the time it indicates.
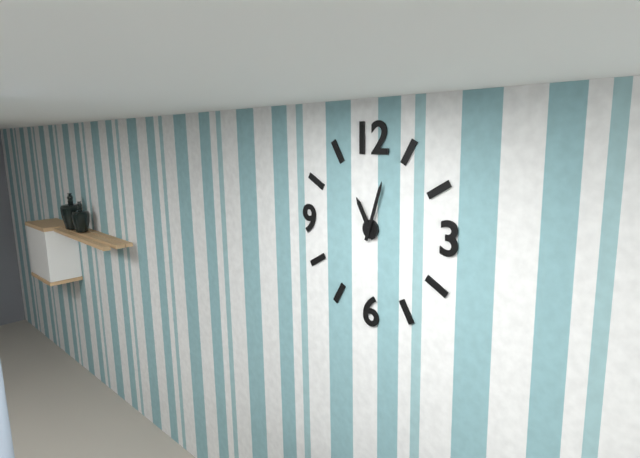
11:03
